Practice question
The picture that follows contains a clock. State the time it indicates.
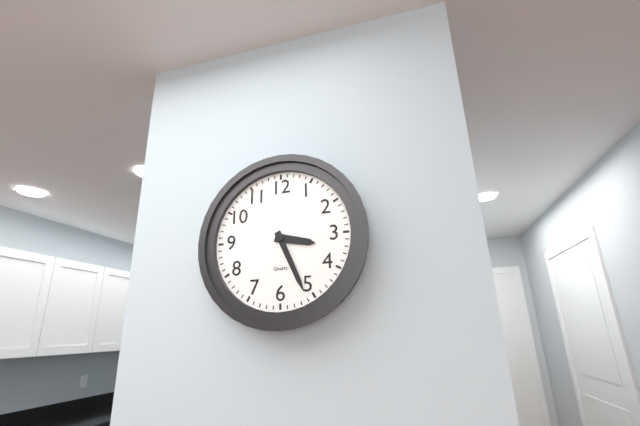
3:26
